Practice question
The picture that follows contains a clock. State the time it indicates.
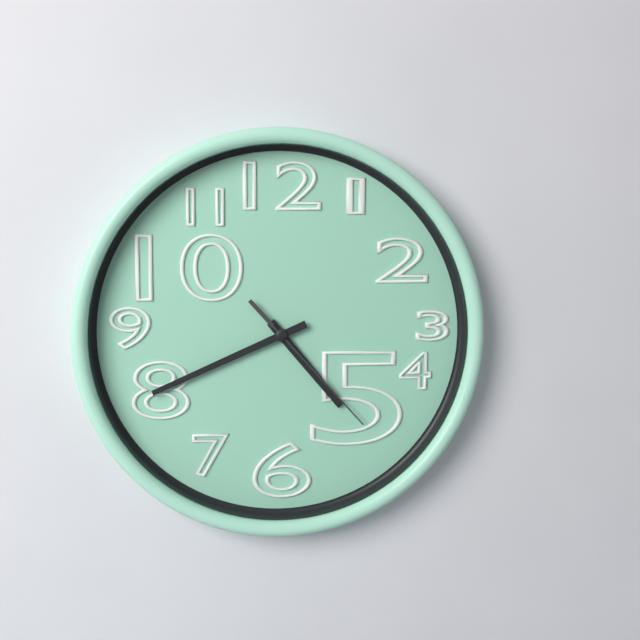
4:41:23
